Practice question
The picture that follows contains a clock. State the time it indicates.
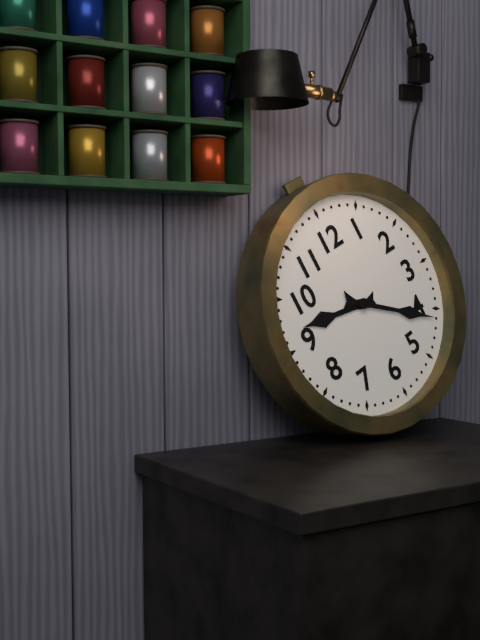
9:21
